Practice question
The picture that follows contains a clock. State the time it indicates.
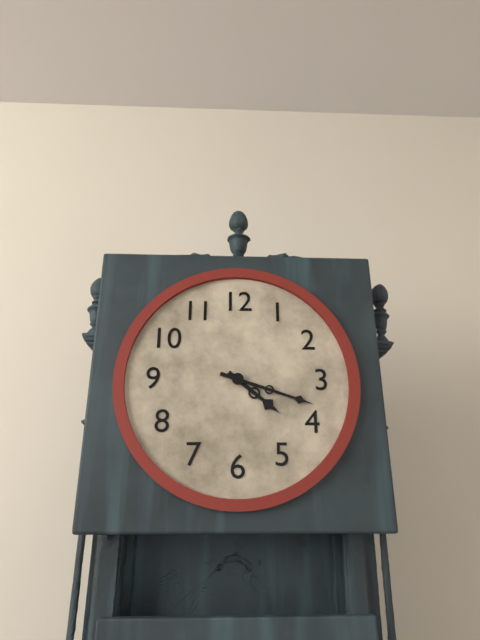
4:18
